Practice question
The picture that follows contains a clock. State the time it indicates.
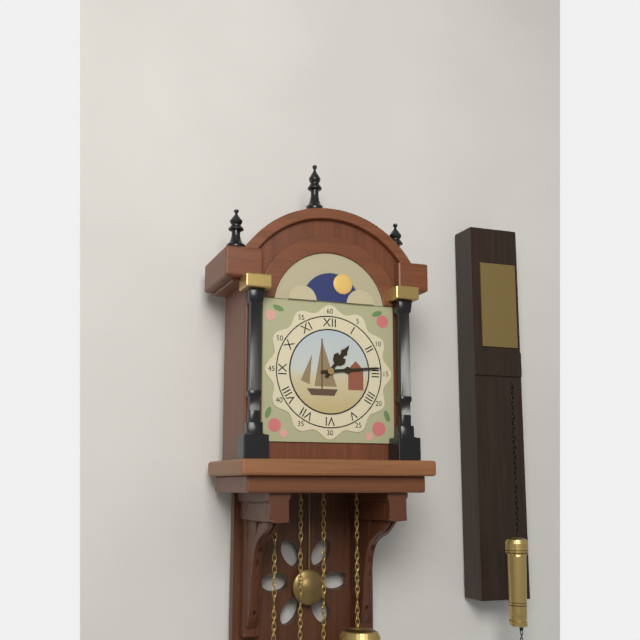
1:14
